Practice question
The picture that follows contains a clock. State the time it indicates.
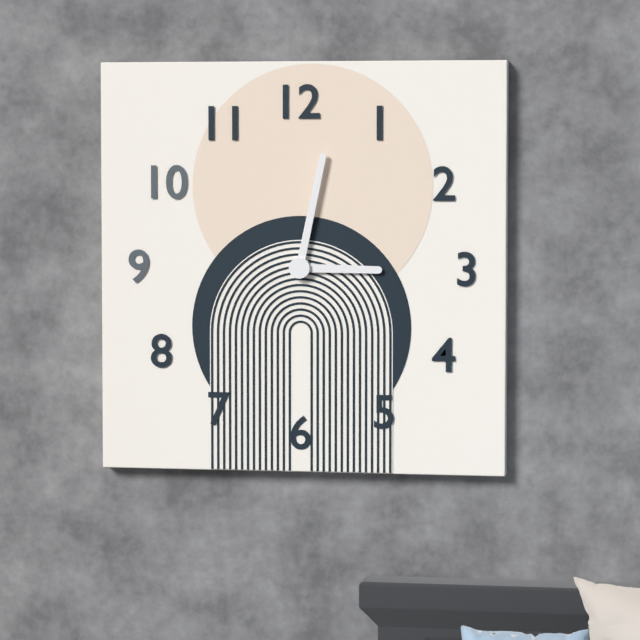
3:02
